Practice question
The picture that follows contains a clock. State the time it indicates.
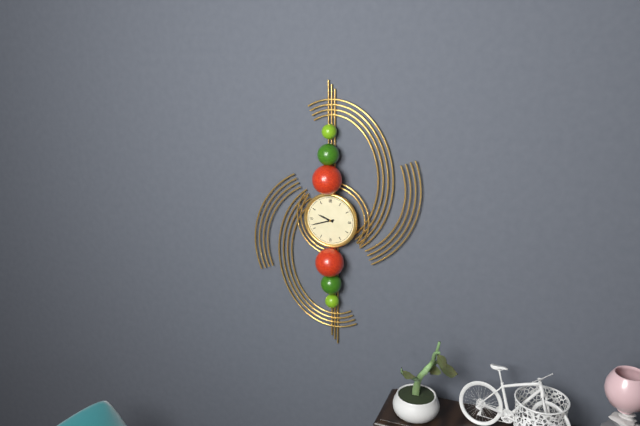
9:42
